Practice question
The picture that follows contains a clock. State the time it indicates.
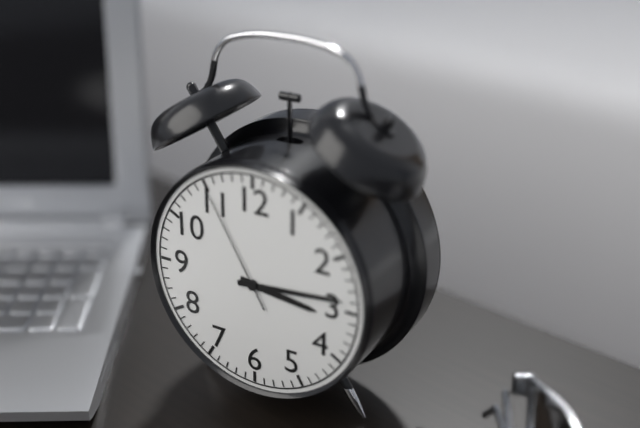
3:14:55
